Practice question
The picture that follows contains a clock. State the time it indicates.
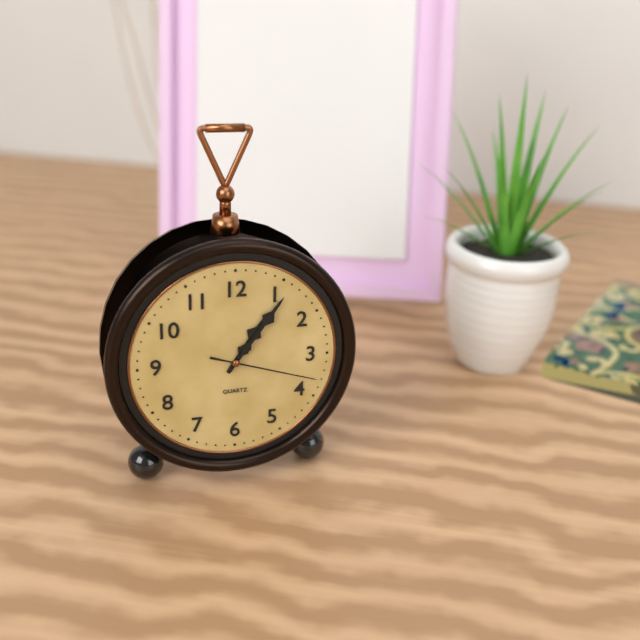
1:06:18
